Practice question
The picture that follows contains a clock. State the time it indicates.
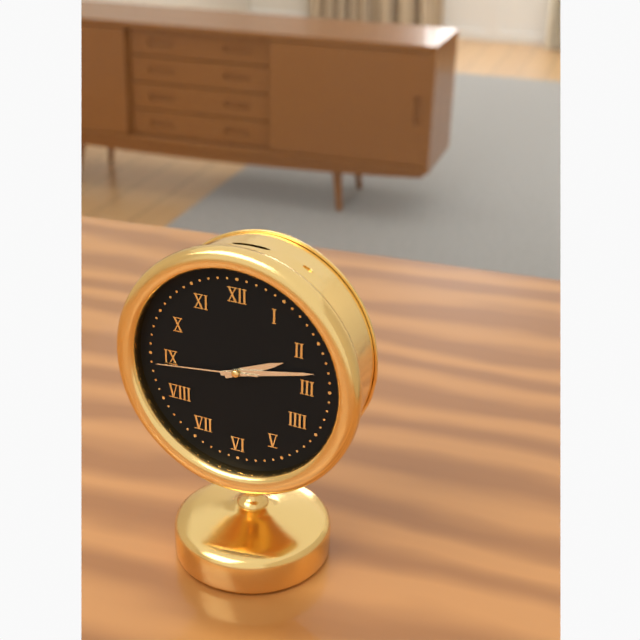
2:13:44
